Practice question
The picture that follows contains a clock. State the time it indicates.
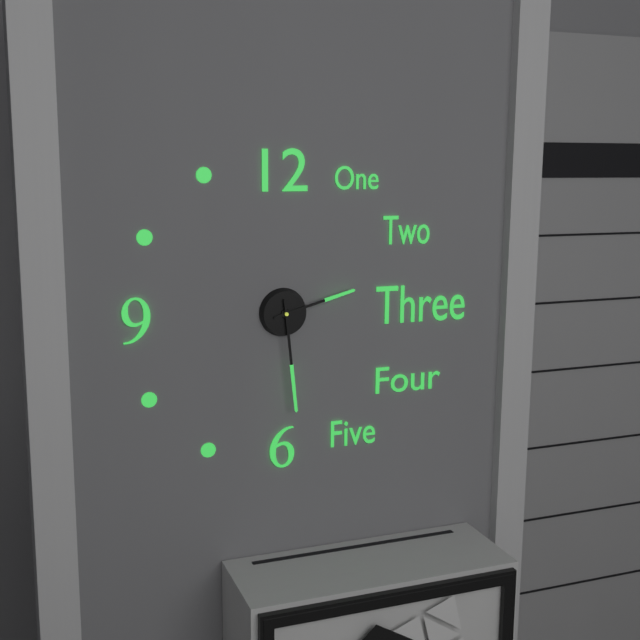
2:29
